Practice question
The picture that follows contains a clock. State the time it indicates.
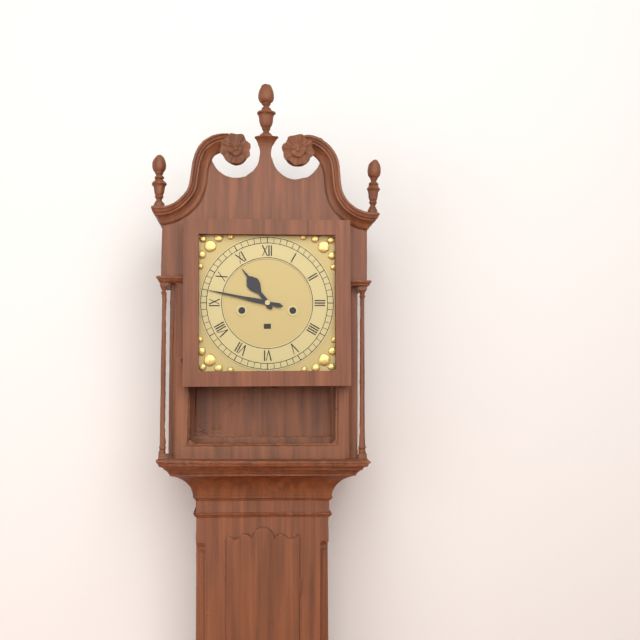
10:47
